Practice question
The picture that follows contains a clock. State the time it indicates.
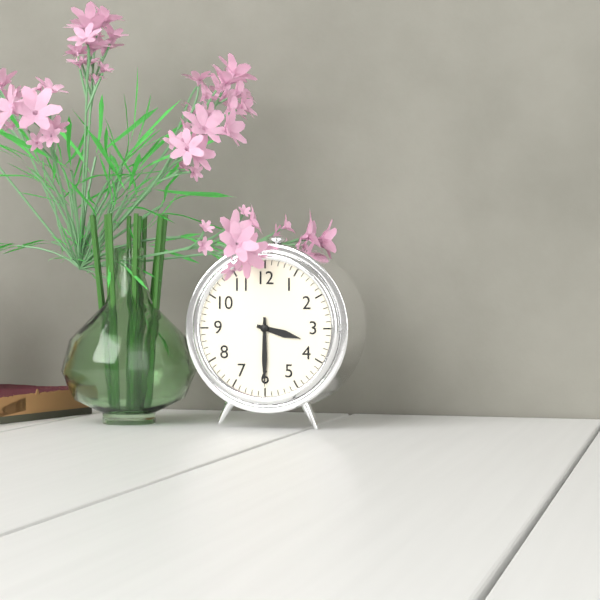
3:30
